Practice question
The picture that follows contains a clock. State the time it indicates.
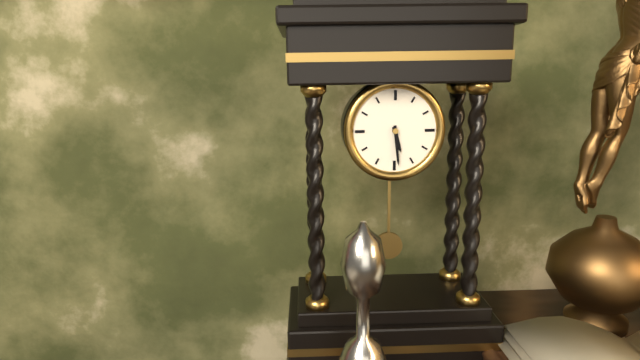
5:29
